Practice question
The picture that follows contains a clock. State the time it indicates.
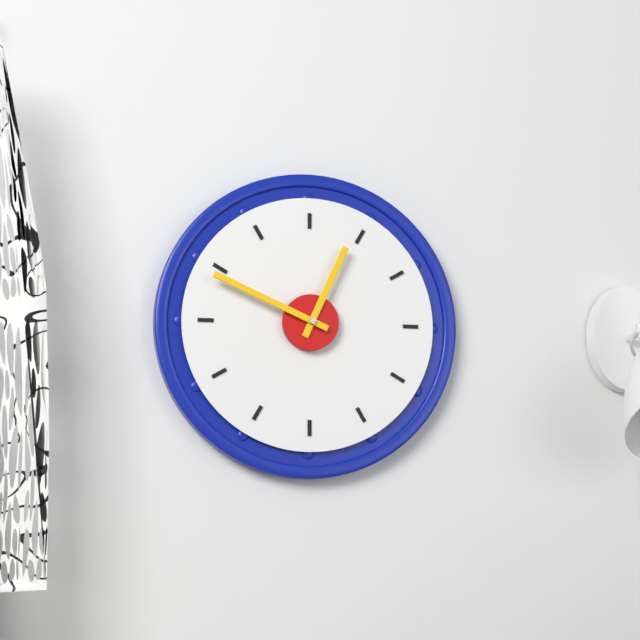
12:49
